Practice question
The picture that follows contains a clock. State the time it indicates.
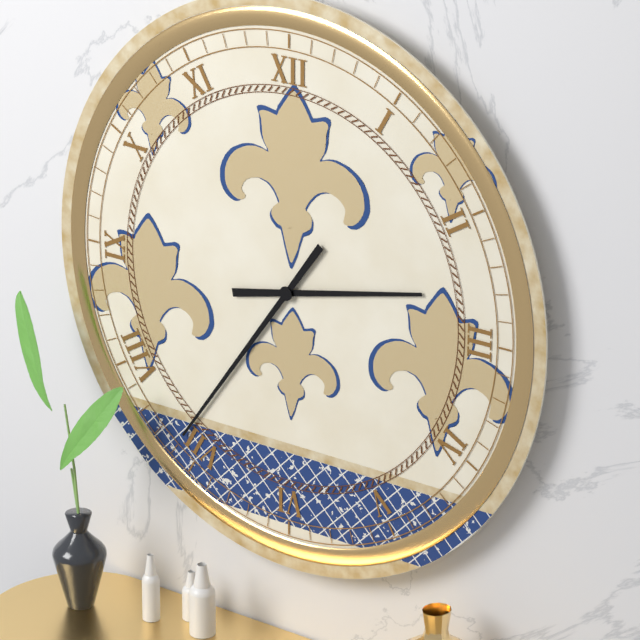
2:36
